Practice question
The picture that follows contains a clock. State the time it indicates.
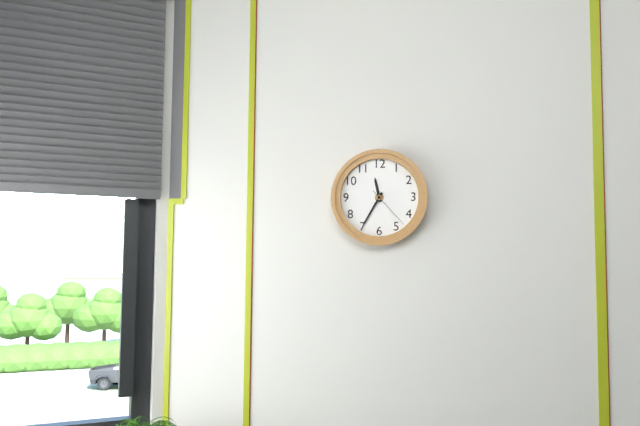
11:35
